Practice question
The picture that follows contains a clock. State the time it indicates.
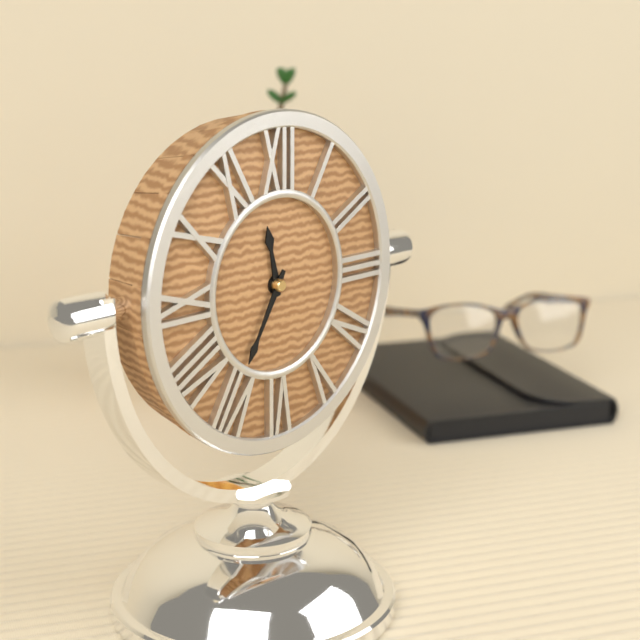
11:35
